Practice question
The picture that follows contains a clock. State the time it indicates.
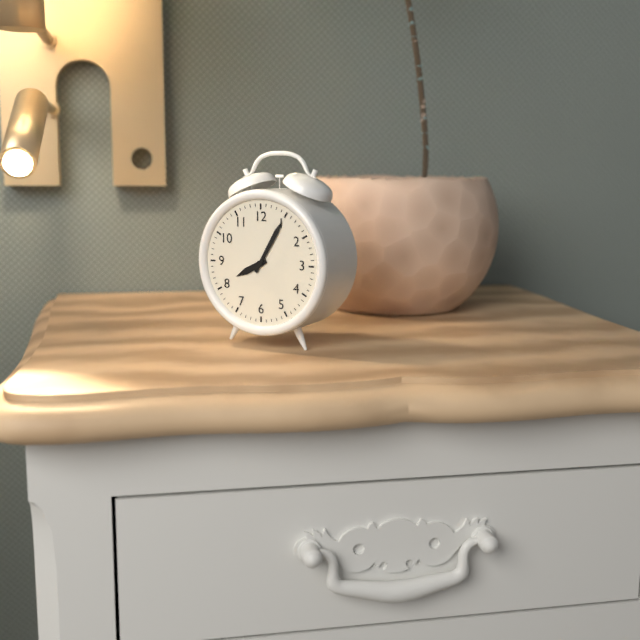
8:05
